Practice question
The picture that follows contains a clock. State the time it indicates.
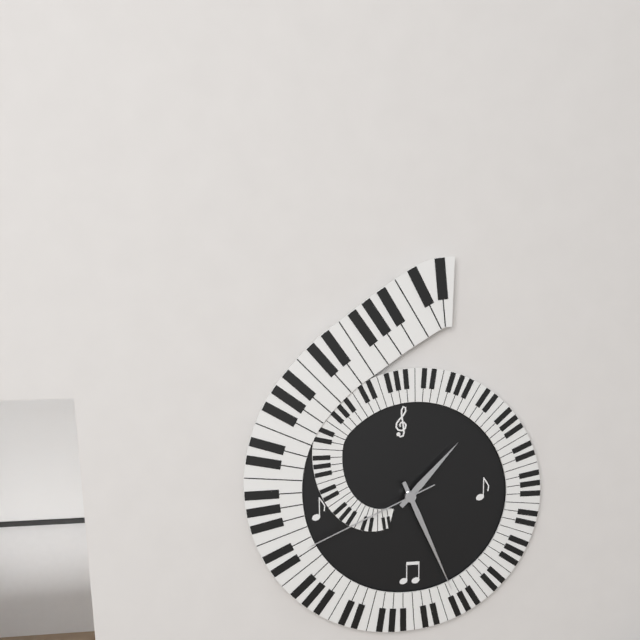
1:26:41
